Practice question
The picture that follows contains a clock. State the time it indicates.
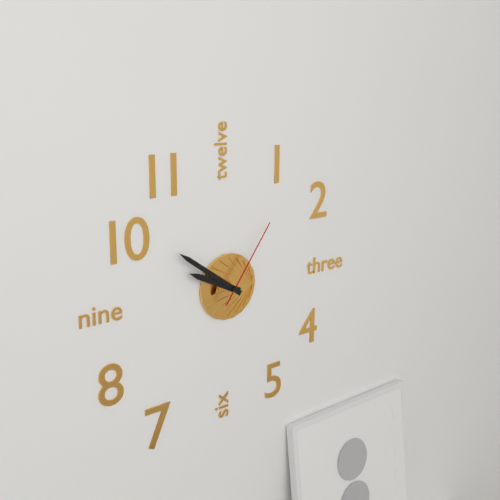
9:51:06
